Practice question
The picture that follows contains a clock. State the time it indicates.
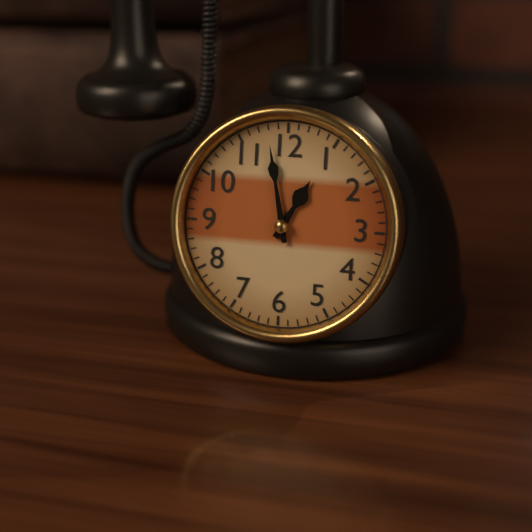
12:58
